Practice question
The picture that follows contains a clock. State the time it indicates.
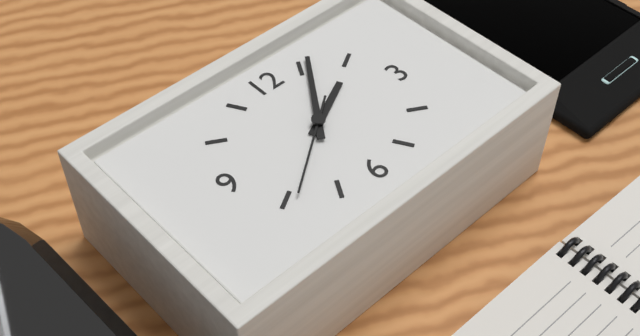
2:06:39
